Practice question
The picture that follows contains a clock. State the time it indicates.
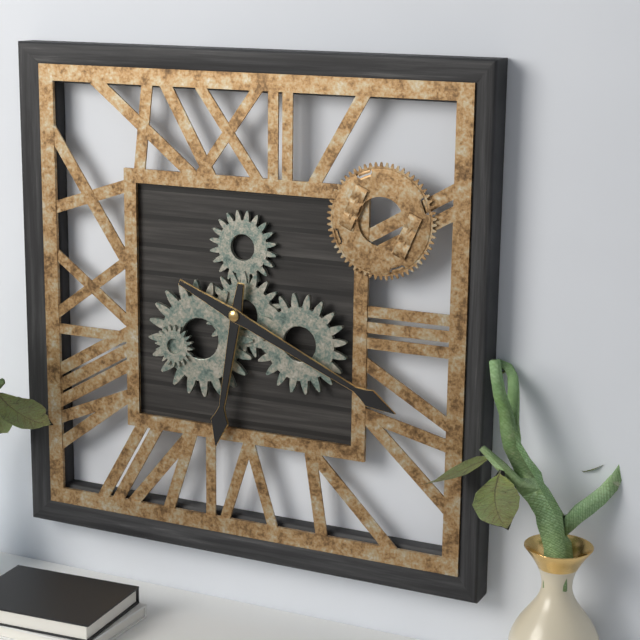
6:19
